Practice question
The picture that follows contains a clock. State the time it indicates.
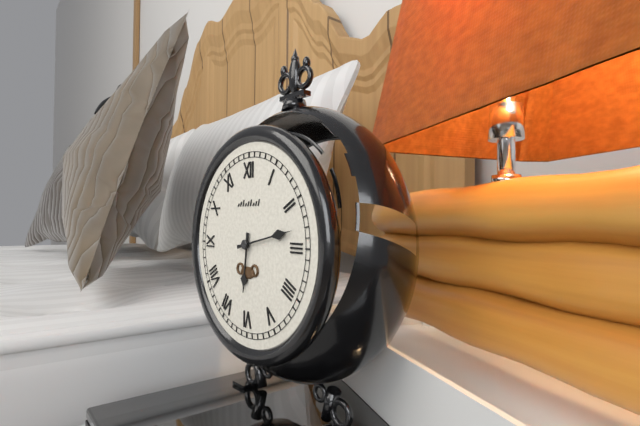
6:13
